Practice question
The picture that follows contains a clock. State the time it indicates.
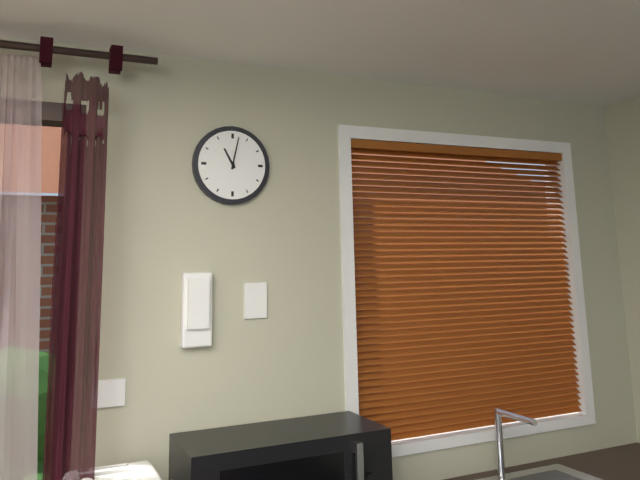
11:02
